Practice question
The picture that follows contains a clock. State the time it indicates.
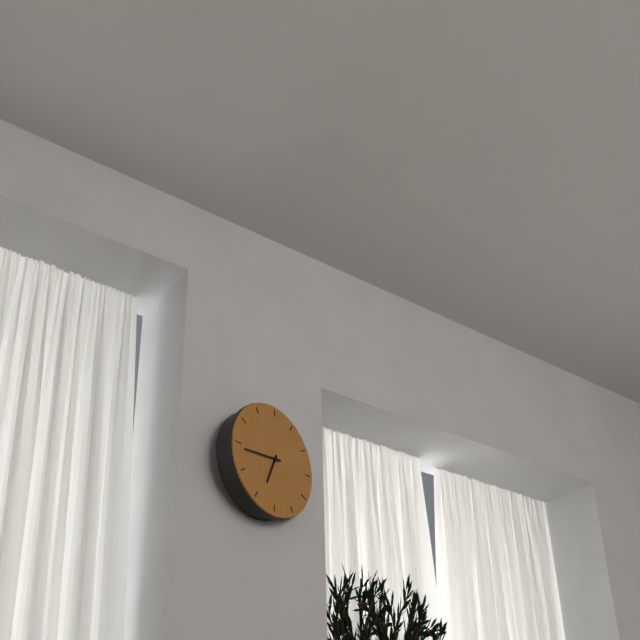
6:44
